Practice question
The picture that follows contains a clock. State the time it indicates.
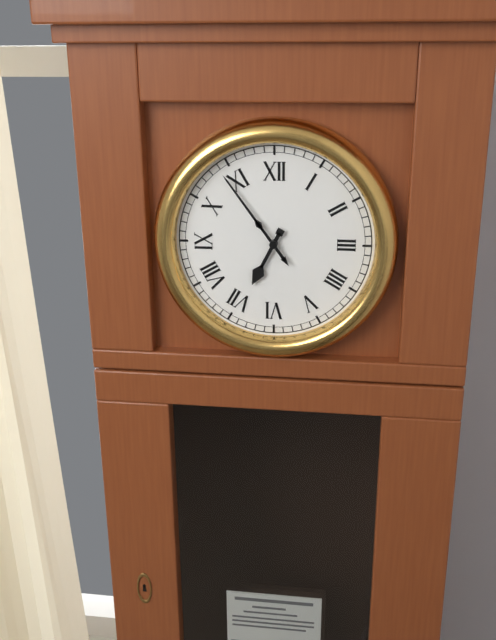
6:54
